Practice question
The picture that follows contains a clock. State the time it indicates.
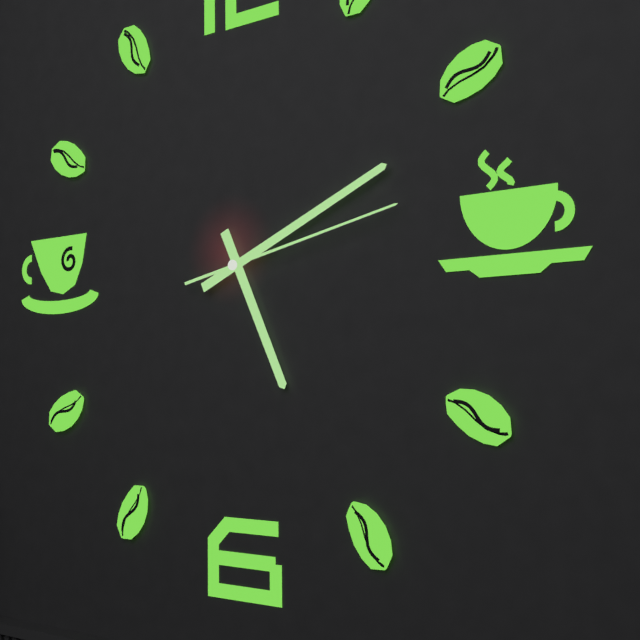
5:11:13
